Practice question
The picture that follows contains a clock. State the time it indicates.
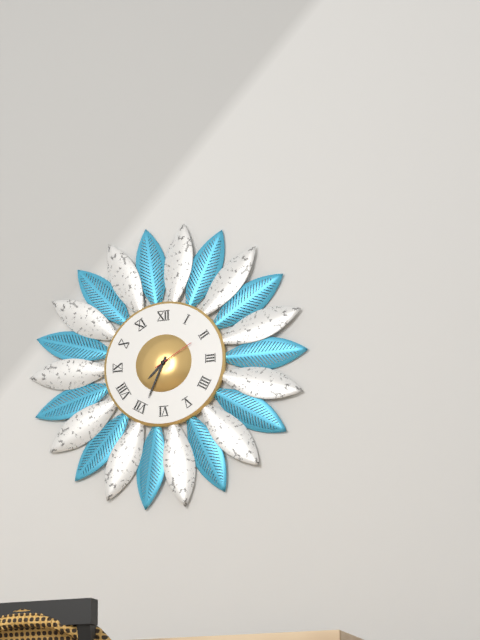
7:34
